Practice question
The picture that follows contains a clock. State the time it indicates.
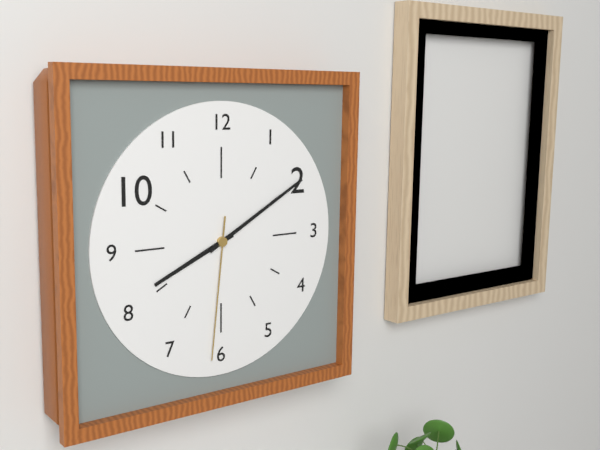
8:10:31
